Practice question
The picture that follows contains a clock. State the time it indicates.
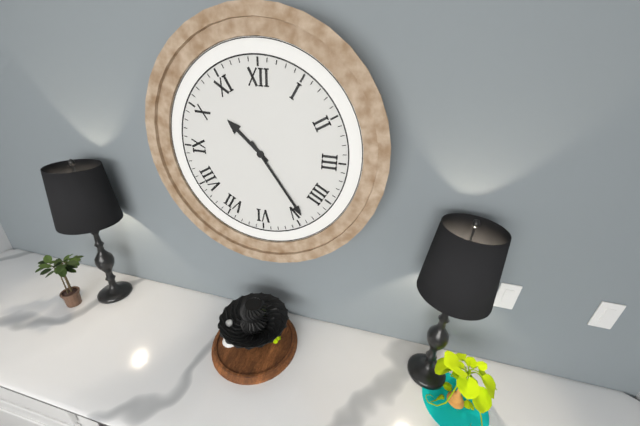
10:24
